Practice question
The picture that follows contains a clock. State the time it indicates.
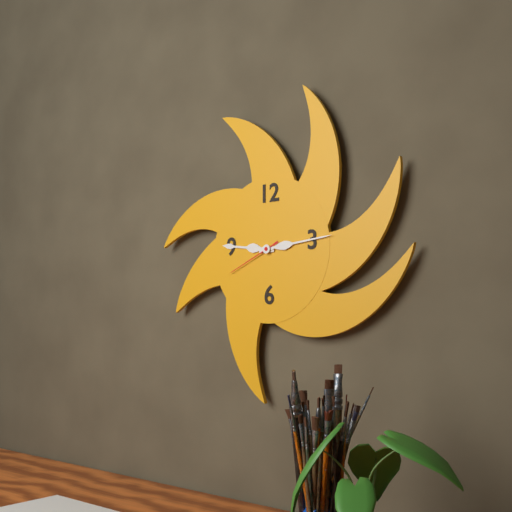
9:14:41
